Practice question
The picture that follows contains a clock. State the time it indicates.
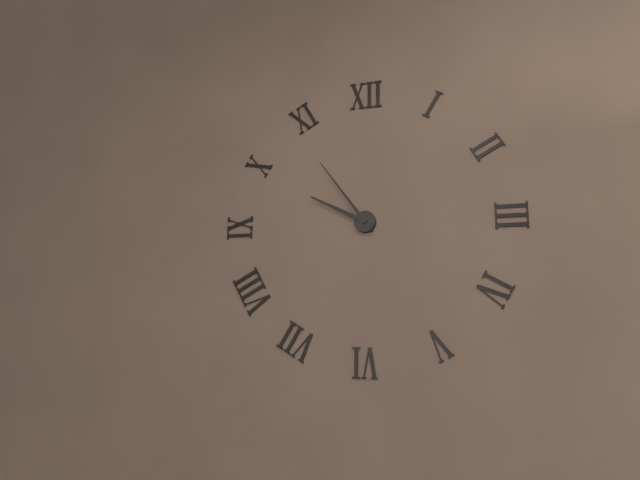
9:54
